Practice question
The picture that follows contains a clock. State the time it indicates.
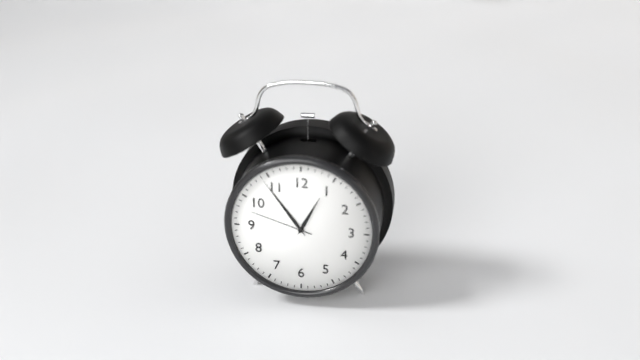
12:54:48
